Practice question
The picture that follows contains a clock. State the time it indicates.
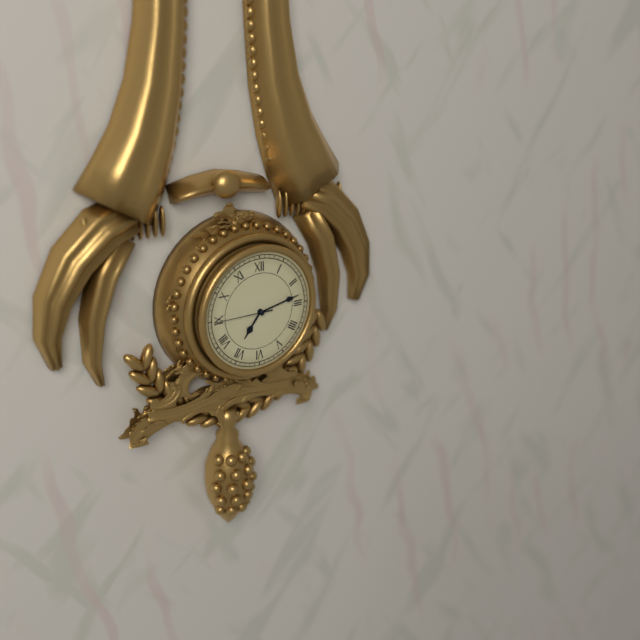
7:13:45
